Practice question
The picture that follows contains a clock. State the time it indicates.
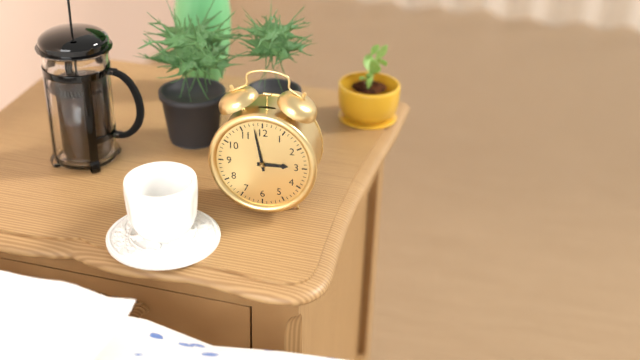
2:58
